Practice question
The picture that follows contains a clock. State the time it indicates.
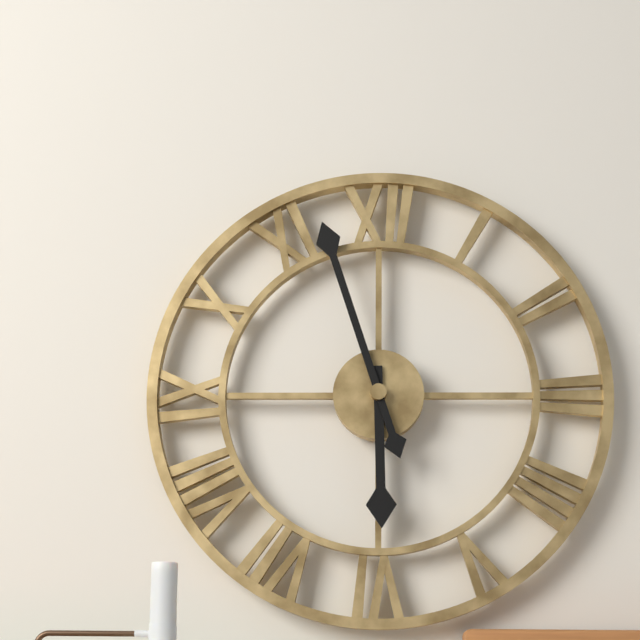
5:57
